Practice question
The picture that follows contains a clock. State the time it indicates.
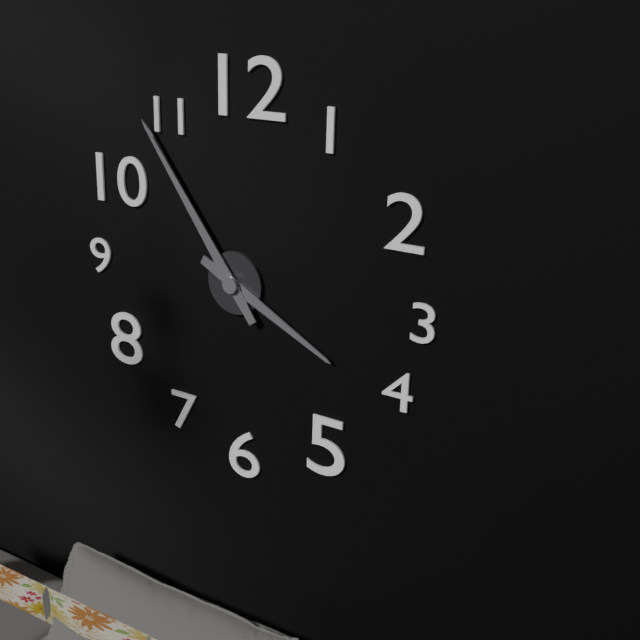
3:54
